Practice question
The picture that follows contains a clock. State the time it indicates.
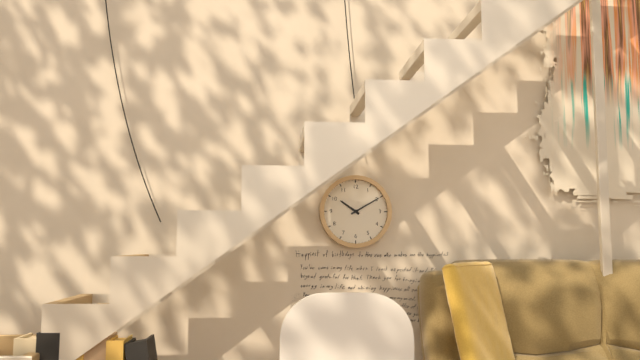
10:10
